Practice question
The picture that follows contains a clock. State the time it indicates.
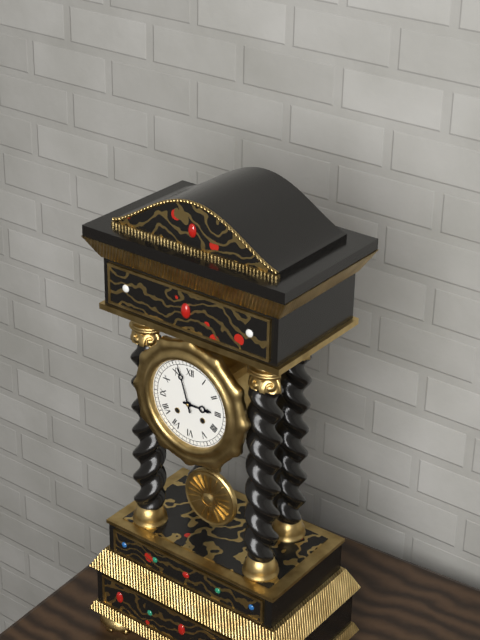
2:57
